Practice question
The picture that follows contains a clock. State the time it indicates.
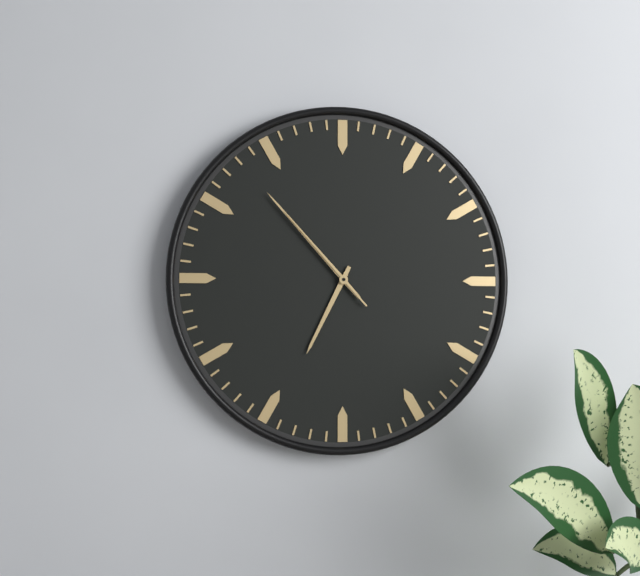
6:53:53
